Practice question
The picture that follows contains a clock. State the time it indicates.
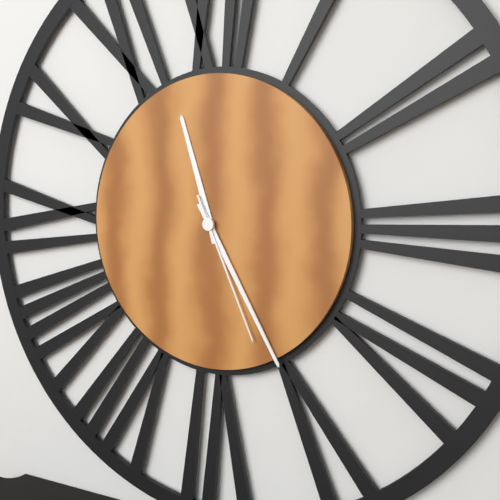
11:25:26
